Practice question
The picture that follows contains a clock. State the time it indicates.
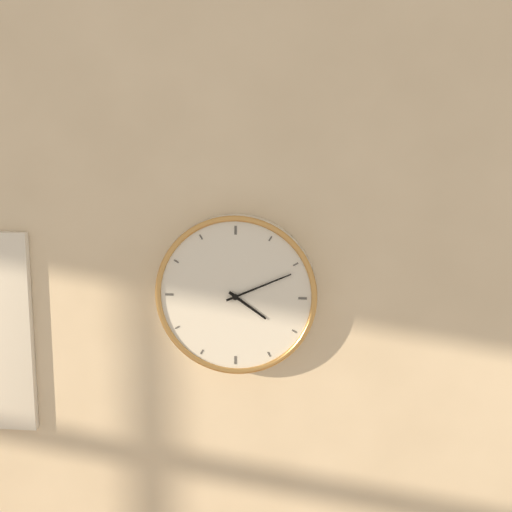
4:11
